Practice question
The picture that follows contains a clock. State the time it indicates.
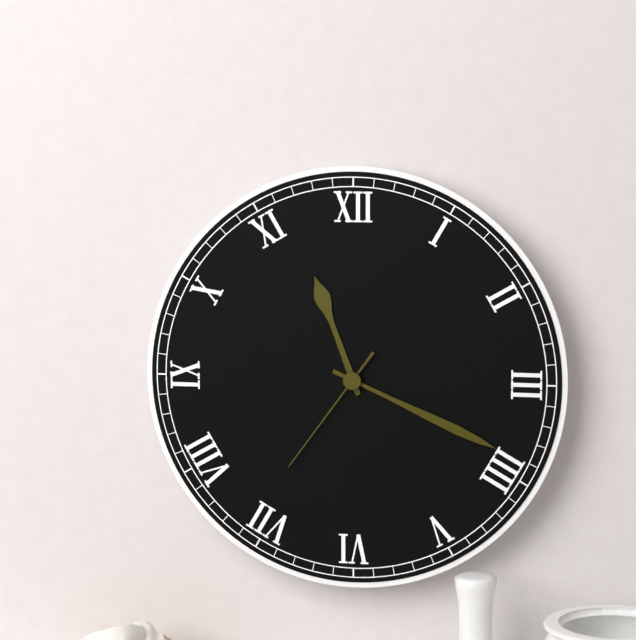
11:19:36
